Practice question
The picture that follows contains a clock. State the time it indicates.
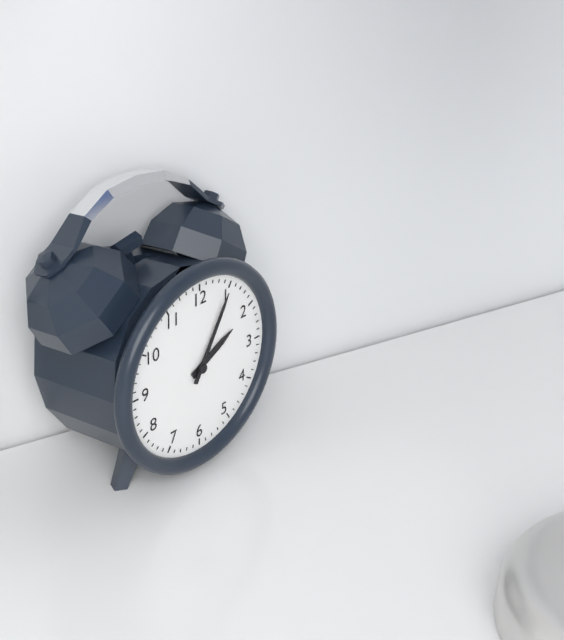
2:05
